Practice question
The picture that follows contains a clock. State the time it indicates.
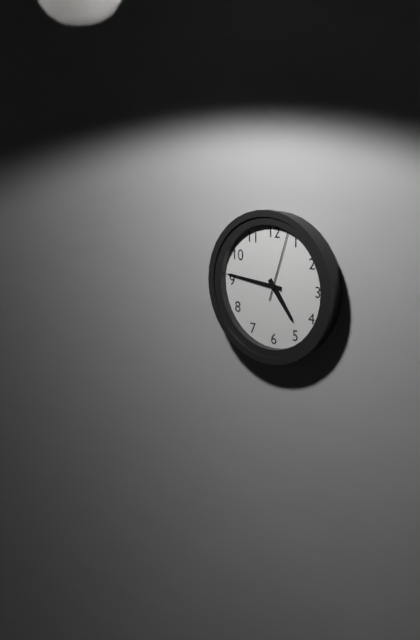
4:46:03
